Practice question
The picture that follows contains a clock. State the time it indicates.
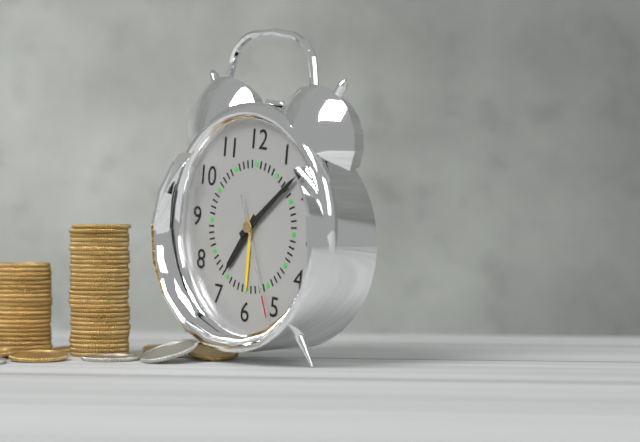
7:08:26
